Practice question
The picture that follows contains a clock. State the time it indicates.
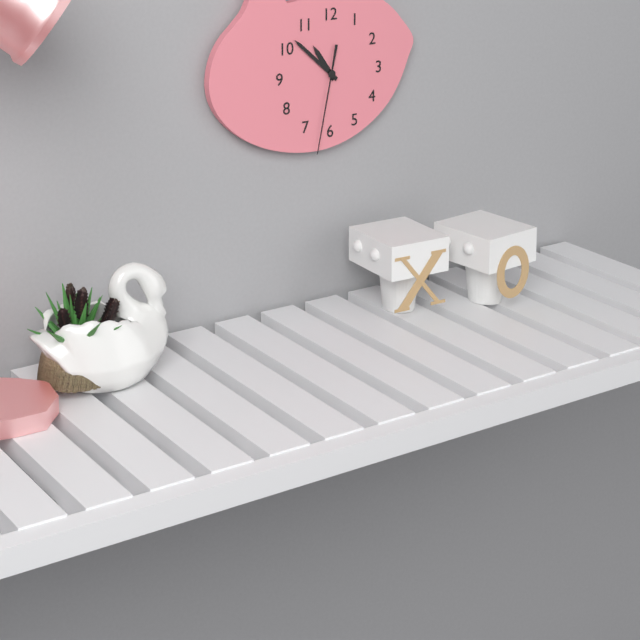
10:52:32
